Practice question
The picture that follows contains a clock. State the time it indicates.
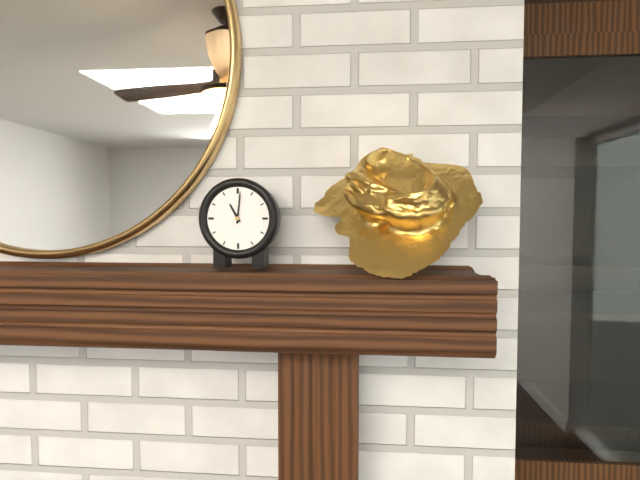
11:01
